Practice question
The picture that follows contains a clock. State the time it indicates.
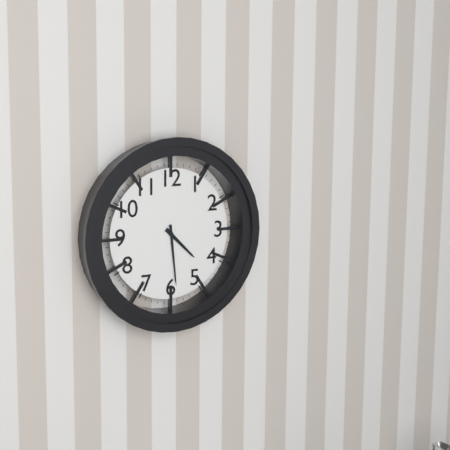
4:29
